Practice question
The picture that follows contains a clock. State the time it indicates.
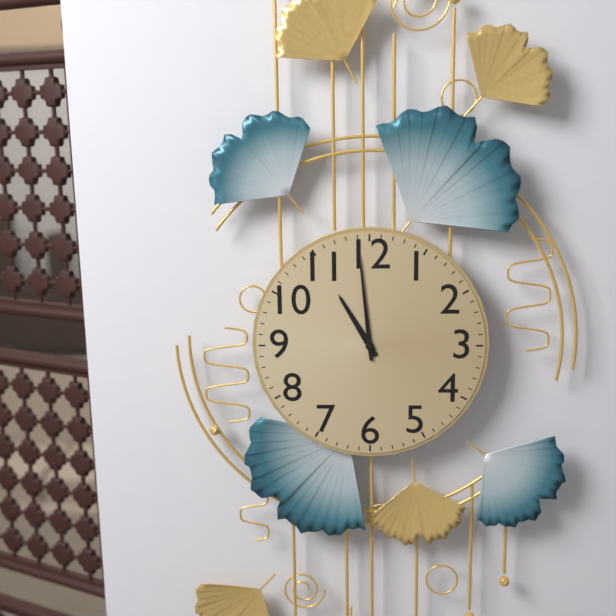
10:59
